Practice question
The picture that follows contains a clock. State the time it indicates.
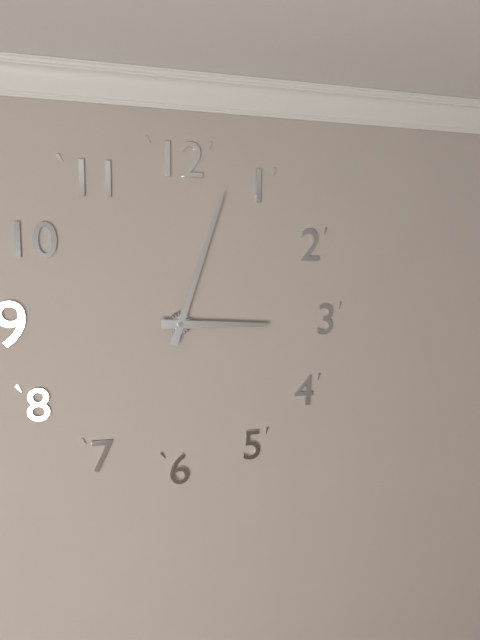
3:03
